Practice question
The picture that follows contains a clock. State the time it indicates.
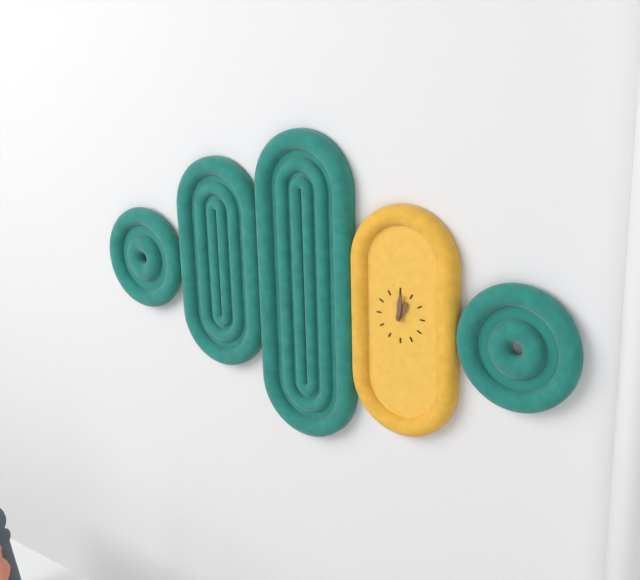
1:01
